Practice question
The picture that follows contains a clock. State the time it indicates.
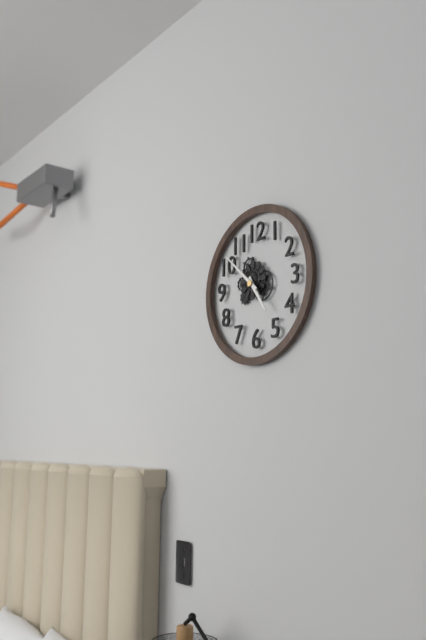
4:52
